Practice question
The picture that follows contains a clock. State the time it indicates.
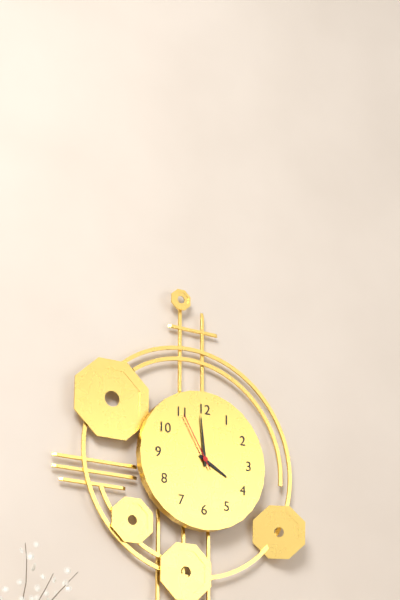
3:59:55
